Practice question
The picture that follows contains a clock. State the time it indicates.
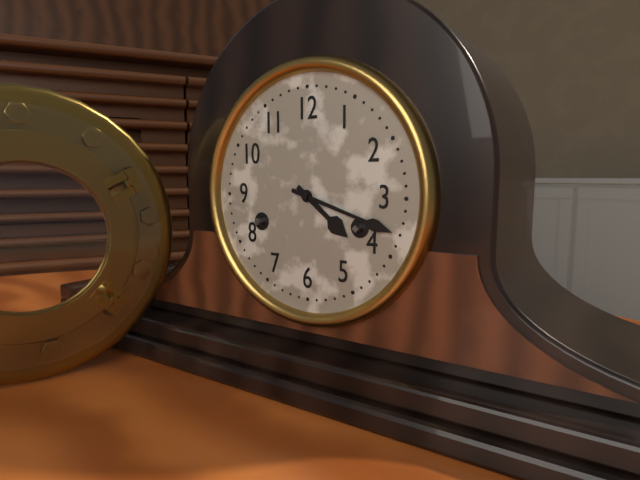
4:18
